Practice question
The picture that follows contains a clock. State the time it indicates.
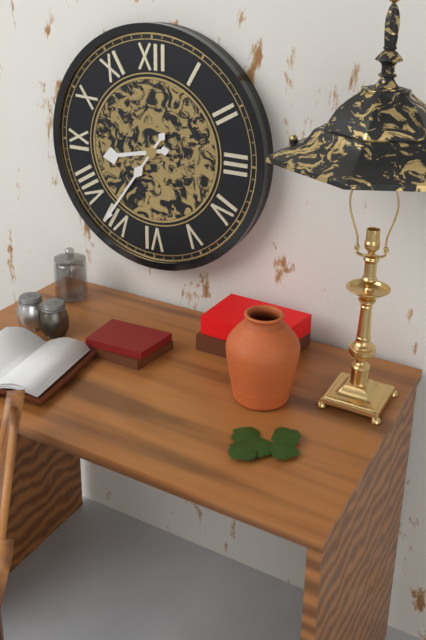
8:36
